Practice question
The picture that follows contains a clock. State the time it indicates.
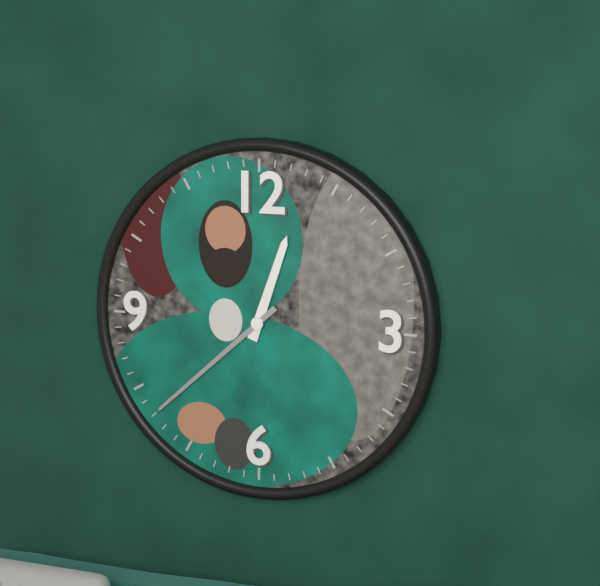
12:38
